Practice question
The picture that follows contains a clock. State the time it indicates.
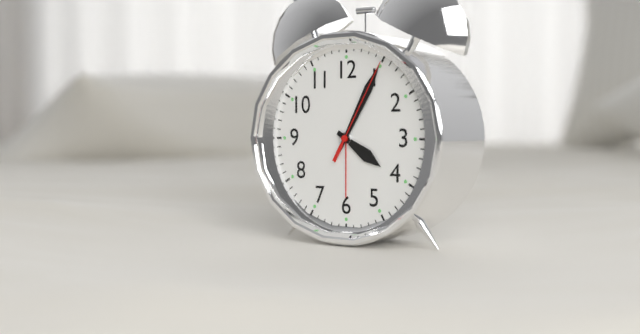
4:05:05
